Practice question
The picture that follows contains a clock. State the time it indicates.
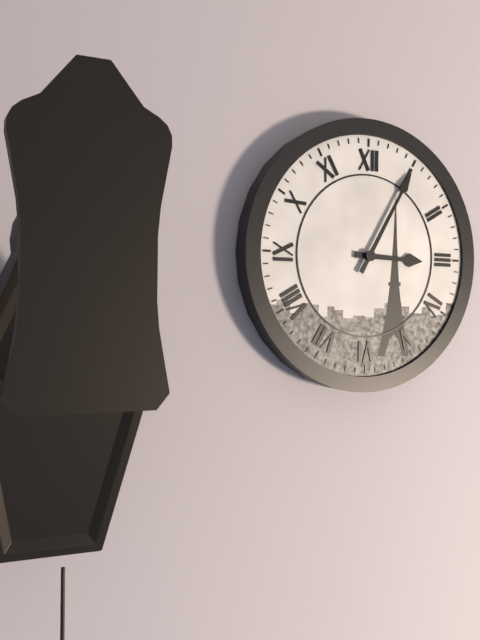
3:05
